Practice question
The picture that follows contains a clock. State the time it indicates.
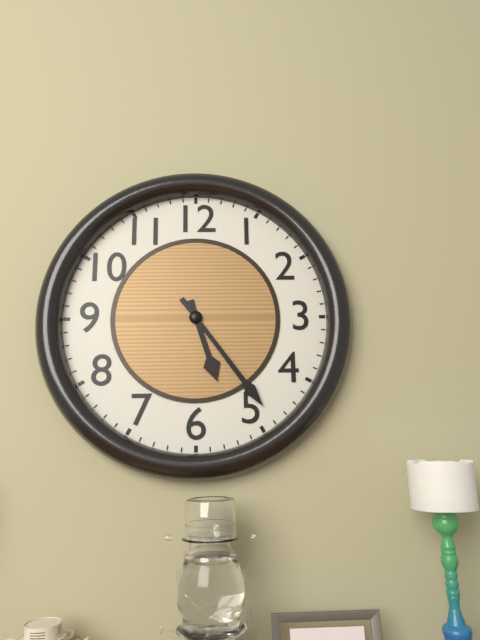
5:24
